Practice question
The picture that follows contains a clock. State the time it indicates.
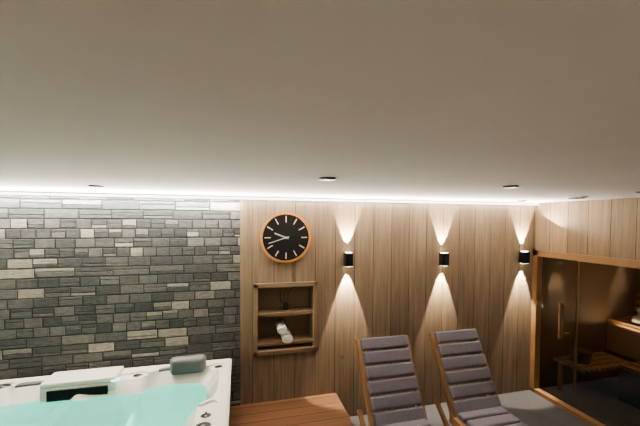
9:42
